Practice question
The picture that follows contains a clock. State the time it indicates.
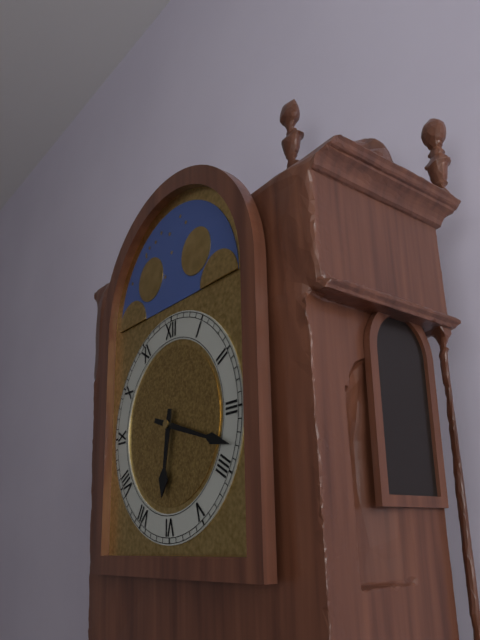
6:18
